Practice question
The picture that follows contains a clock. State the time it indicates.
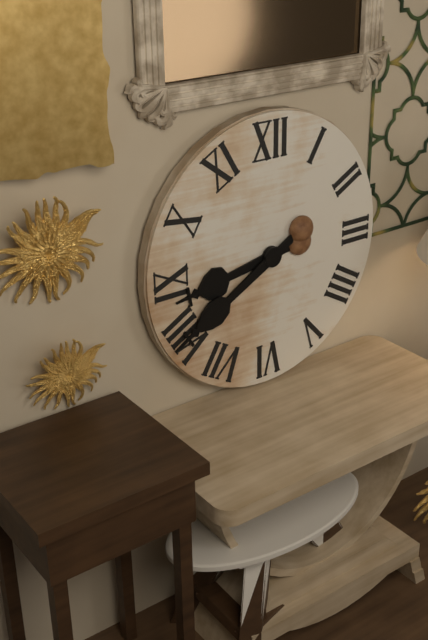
8:40
